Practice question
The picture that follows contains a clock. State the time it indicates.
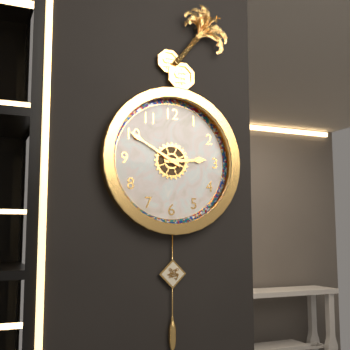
2:50
